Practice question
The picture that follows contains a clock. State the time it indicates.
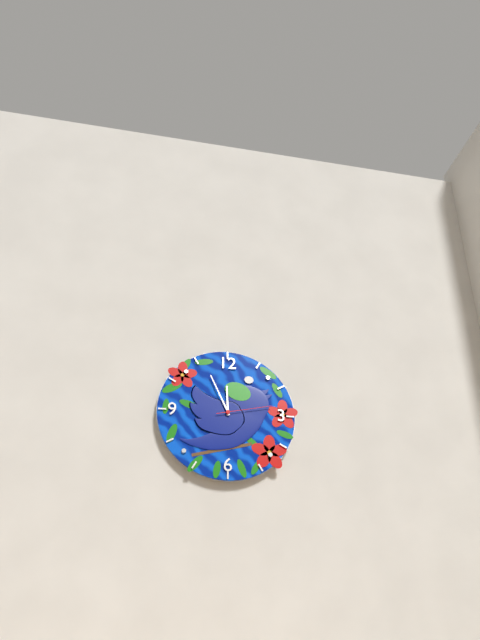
11:56:13
